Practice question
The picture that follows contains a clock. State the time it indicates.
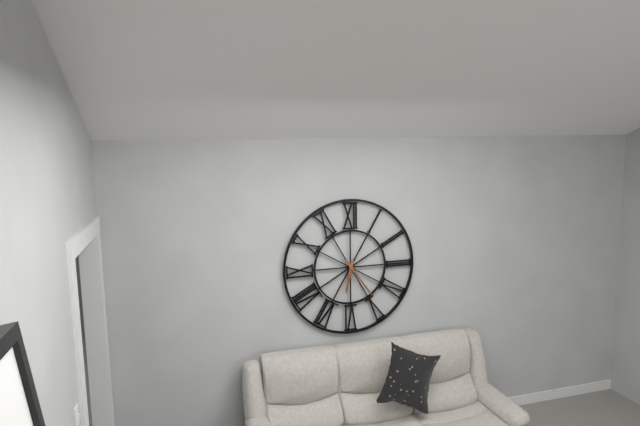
6:24
